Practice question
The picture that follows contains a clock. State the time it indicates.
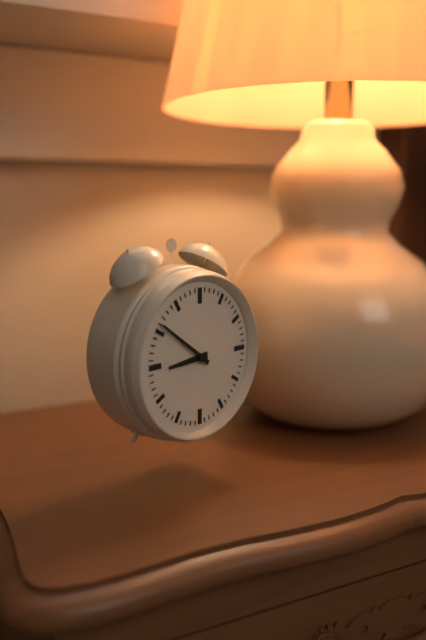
8:51
